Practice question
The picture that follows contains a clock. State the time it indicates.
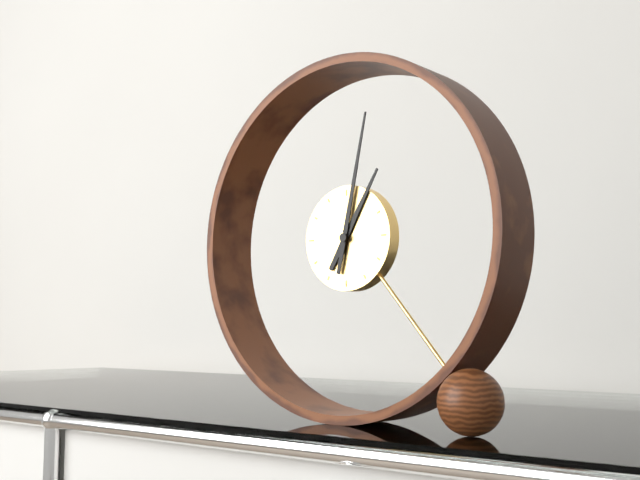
1:02
